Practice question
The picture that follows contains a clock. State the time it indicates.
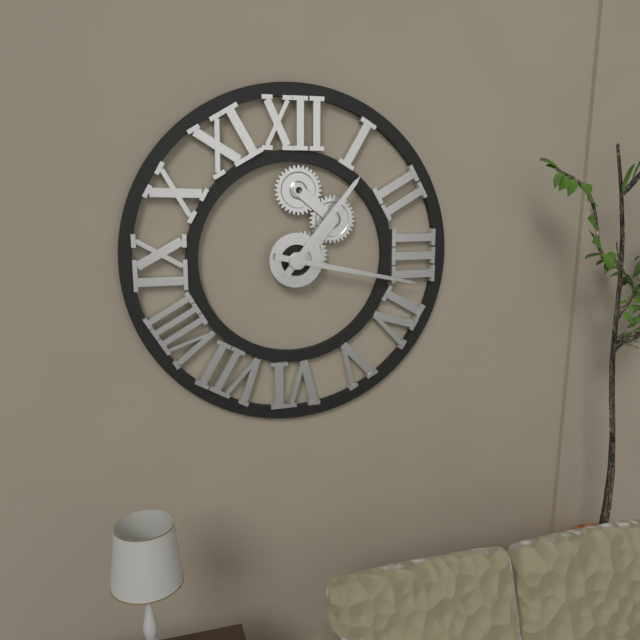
1:17
